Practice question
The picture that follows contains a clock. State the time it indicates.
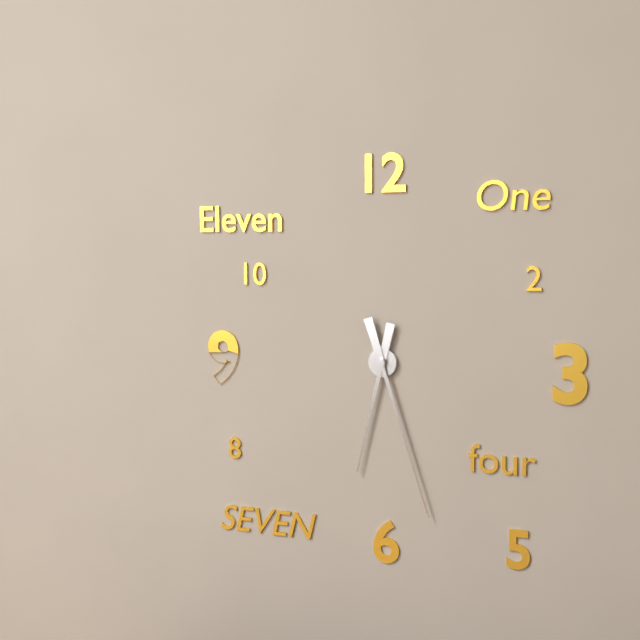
6:27
